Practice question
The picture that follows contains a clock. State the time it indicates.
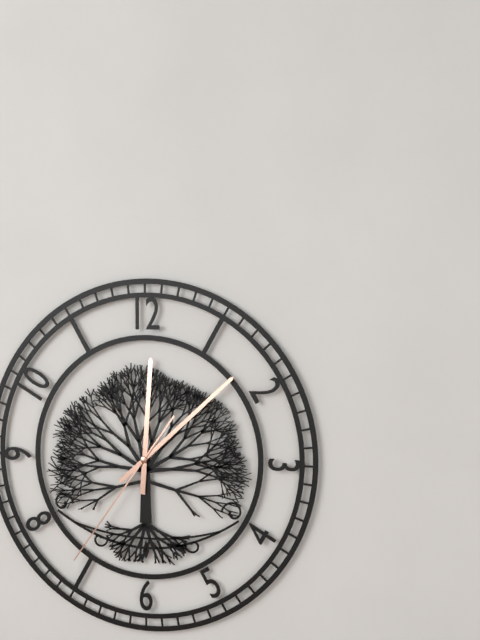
12:08:36
